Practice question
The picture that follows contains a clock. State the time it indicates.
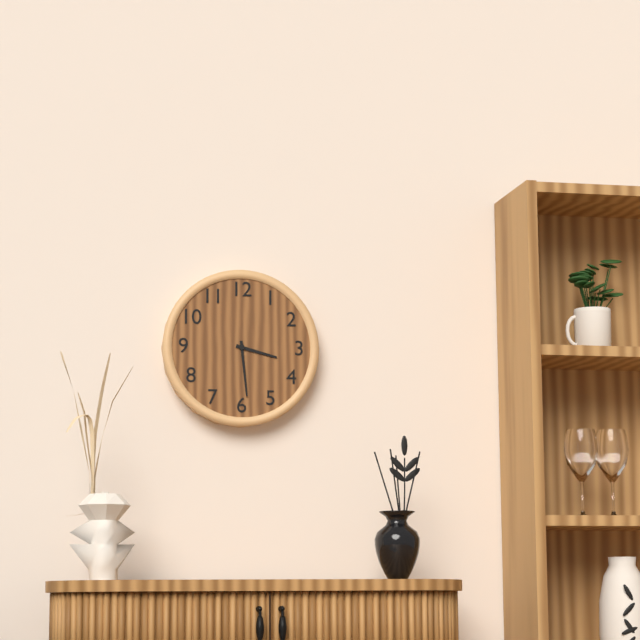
3:29
